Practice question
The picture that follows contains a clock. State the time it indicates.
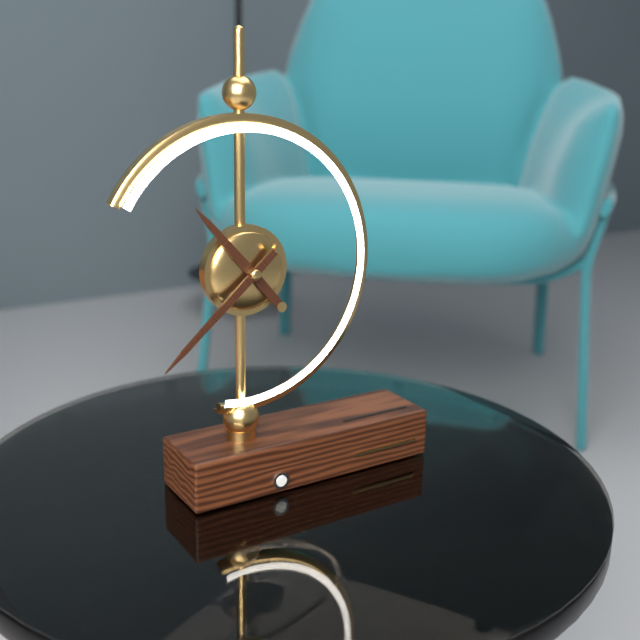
10:38
